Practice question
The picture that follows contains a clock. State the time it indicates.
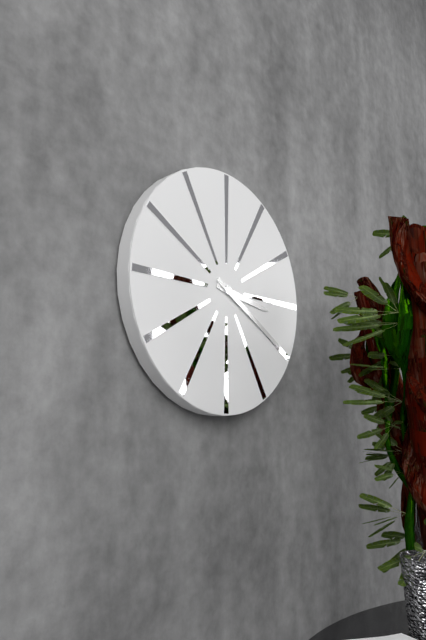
3:20
